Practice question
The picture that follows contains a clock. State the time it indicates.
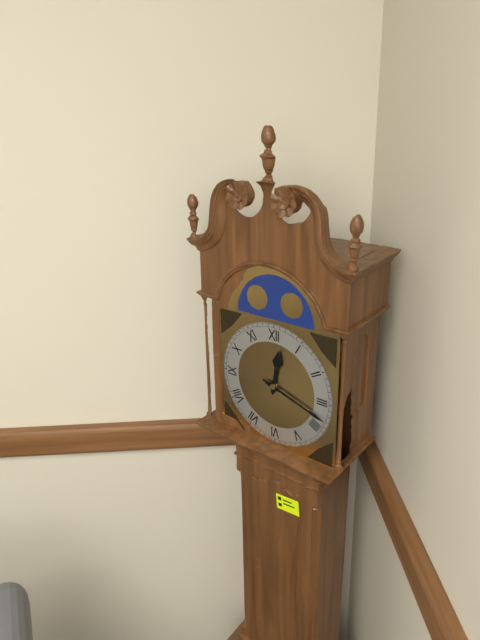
12:18
